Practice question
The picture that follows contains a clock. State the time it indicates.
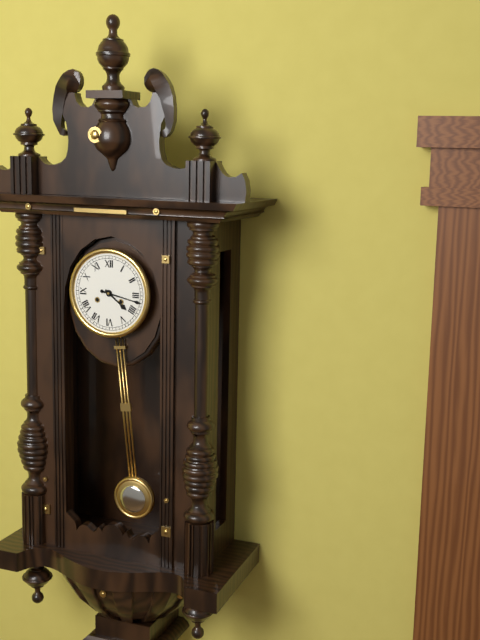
4:17
